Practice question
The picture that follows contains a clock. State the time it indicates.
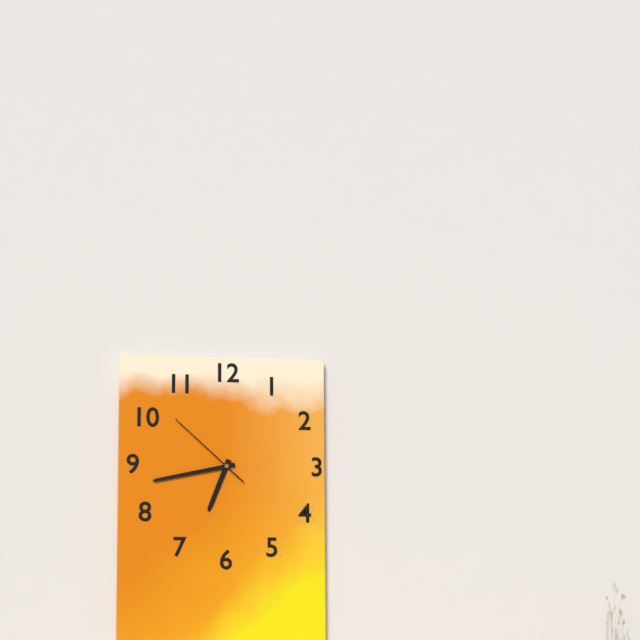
6:43:52
